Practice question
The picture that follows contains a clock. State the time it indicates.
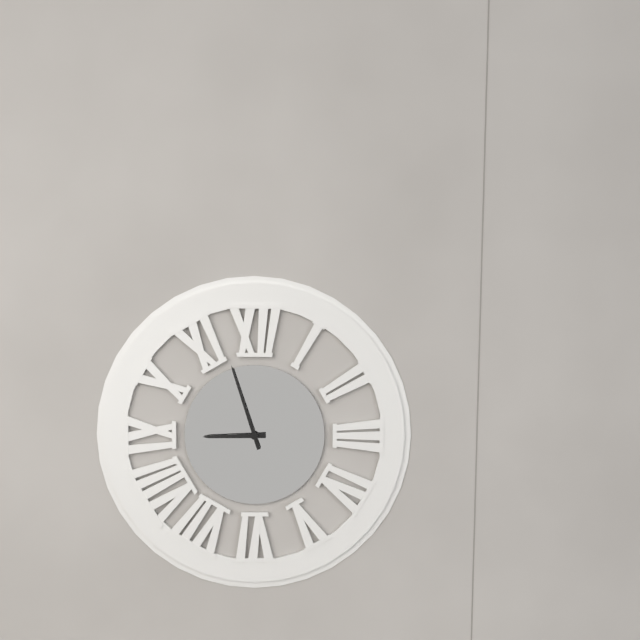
8:57
